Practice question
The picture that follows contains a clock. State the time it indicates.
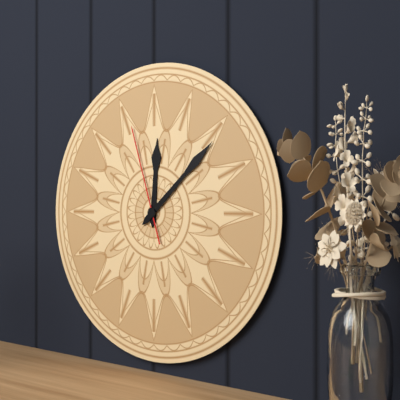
12:08:57
